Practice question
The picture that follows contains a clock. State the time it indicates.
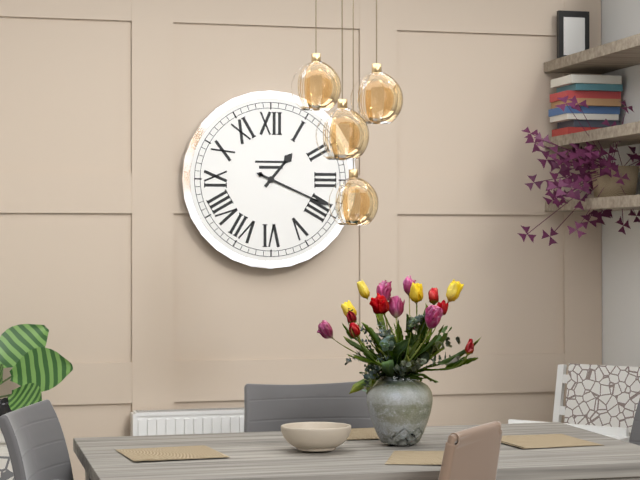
1:19
